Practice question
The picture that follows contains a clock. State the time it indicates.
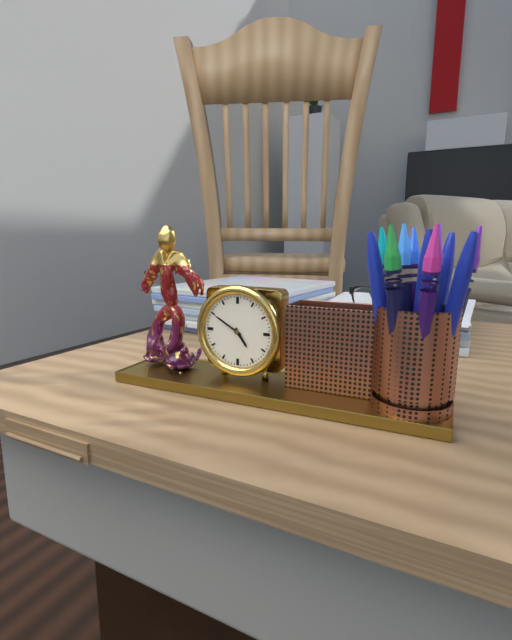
4:50
